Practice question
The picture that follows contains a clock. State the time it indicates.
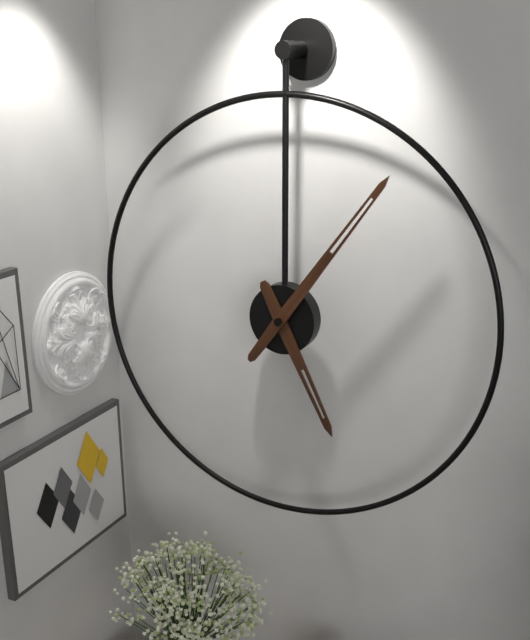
5:06
